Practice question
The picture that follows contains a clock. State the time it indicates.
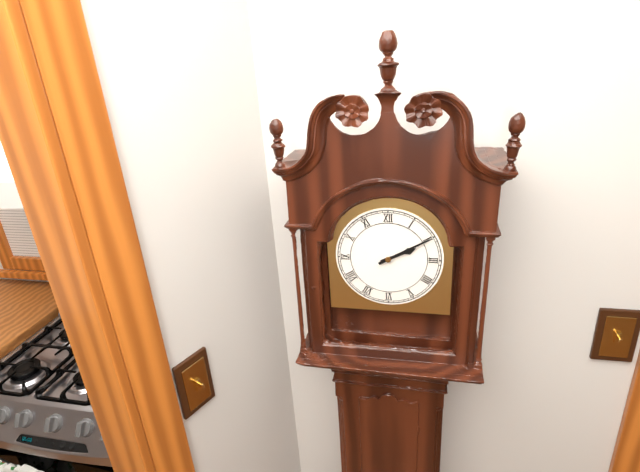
2:10
